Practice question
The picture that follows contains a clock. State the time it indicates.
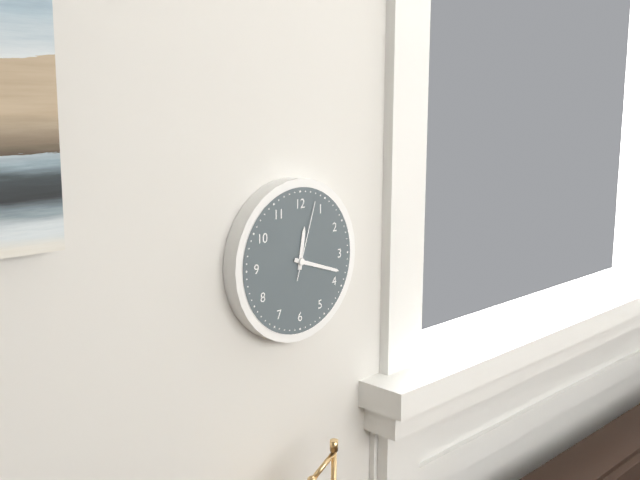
12:18:03
